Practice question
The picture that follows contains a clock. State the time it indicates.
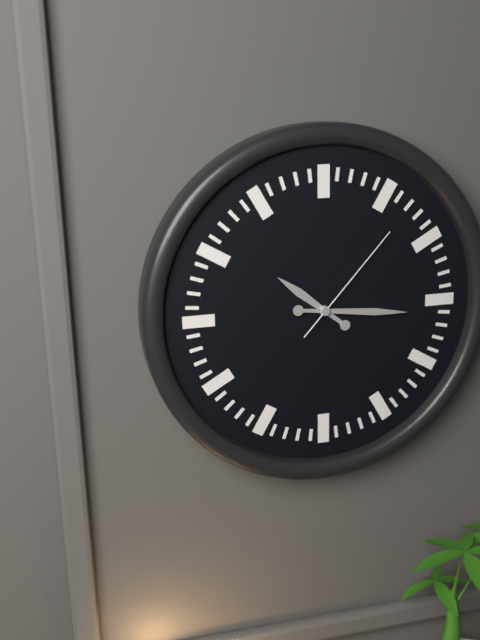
10:16:07
